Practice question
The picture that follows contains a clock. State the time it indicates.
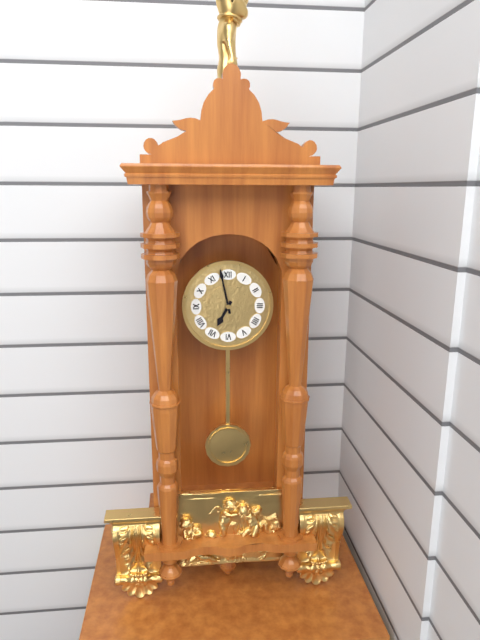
6:58
